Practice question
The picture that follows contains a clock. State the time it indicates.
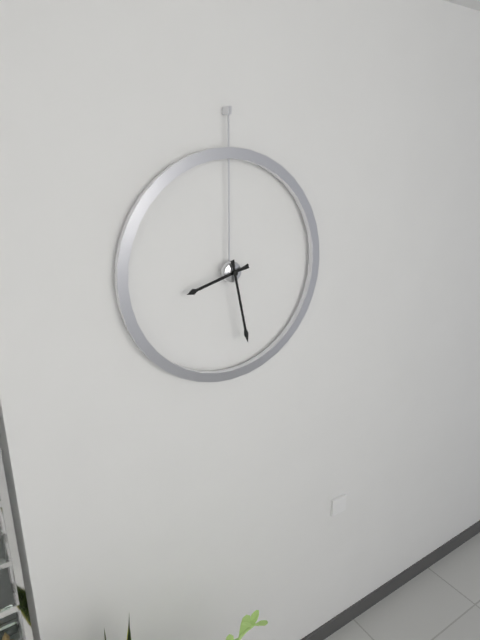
8:28
